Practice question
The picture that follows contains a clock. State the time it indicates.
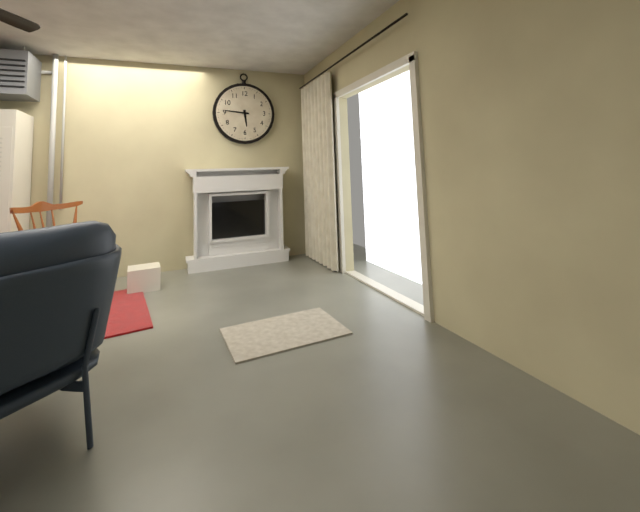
5:46
